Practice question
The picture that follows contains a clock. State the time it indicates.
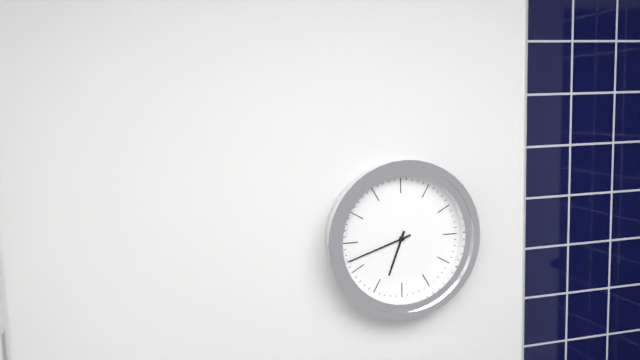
6:42
